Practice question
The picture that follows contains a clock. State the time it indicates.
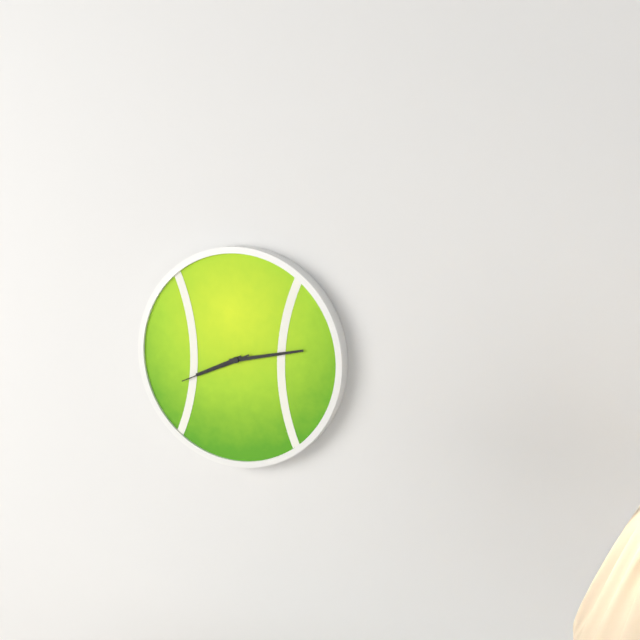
8:13:41
